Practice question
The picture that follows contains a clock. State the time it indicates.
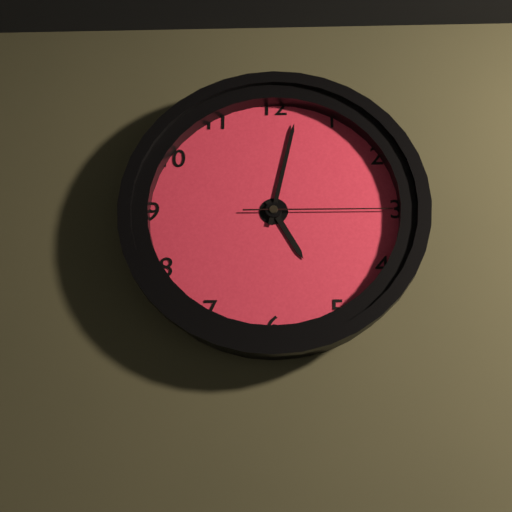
5:02:15
